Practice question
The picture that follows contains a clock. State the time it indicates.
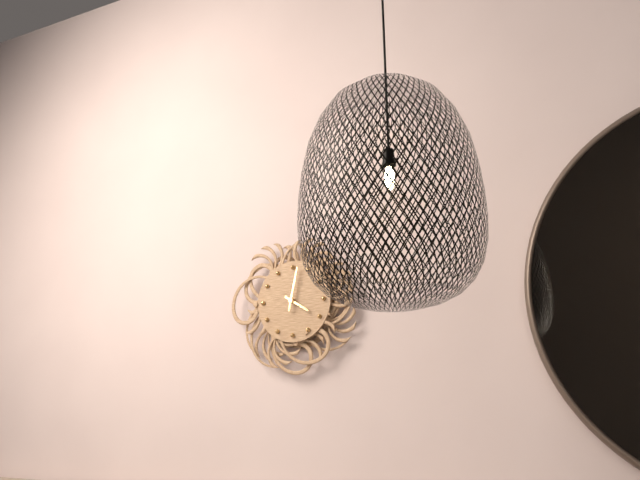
4:02
